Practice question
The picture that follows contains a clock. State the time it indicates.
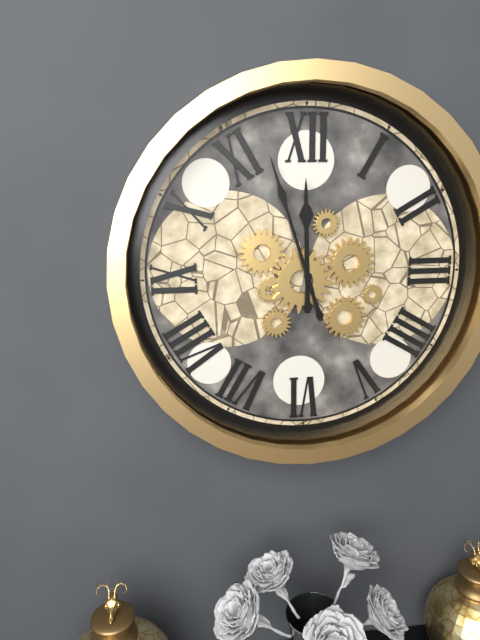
11:57
